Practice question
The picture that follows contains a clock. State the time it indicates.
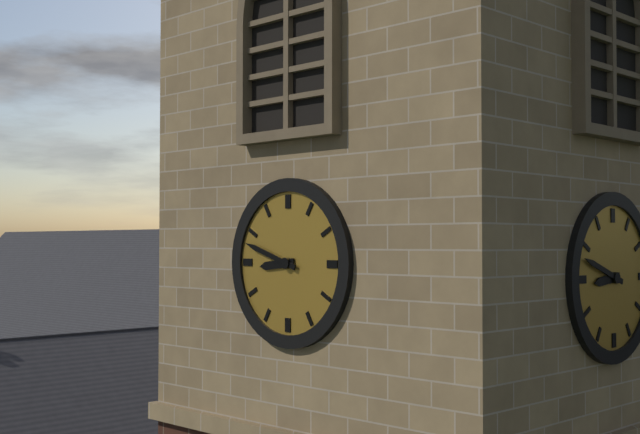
8:48
